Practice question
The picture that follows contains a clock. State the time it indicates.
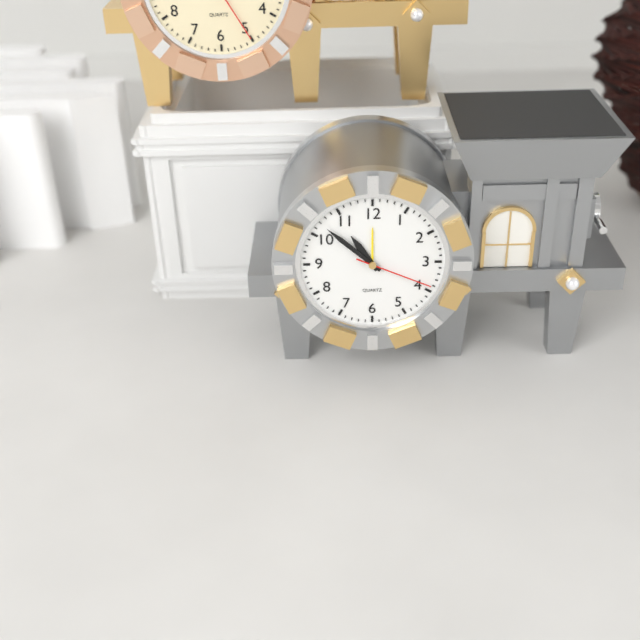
10:52:19
